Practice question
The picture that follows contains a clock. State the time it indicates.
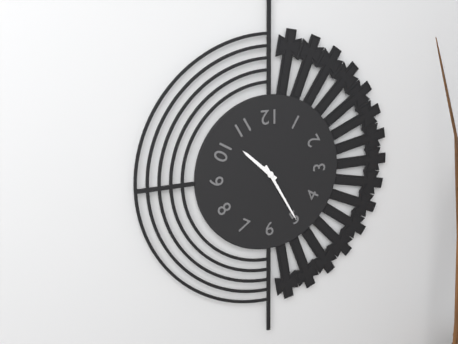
10:25
